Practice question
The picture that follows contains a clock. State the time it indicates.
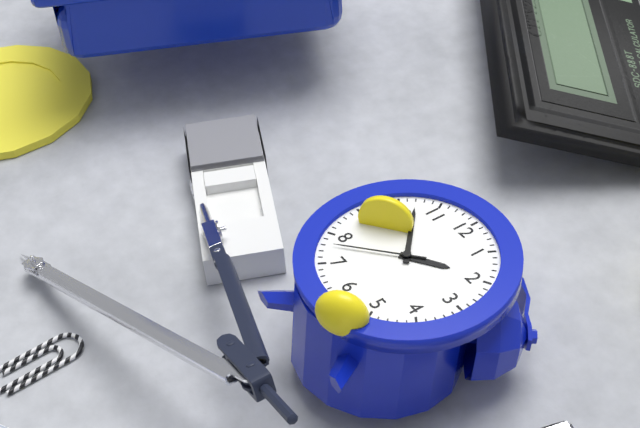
1:52:38
